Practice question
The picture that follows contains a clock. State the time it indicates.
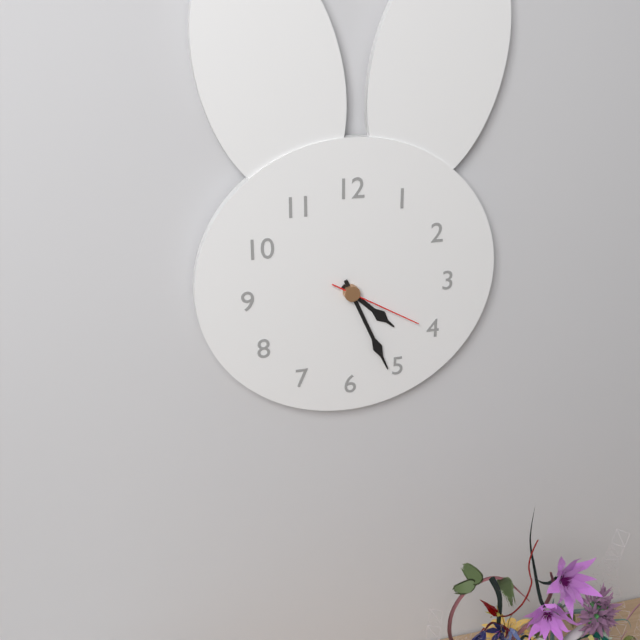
4:26:20
